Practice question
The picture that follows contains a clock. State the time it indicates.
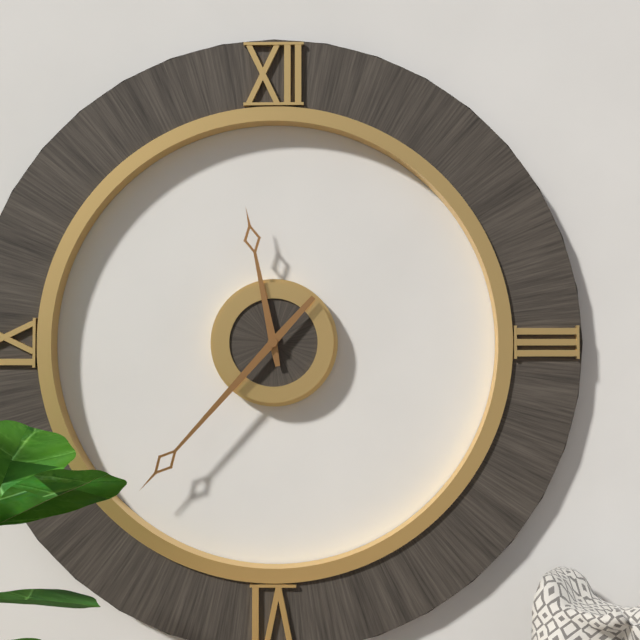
11:37
